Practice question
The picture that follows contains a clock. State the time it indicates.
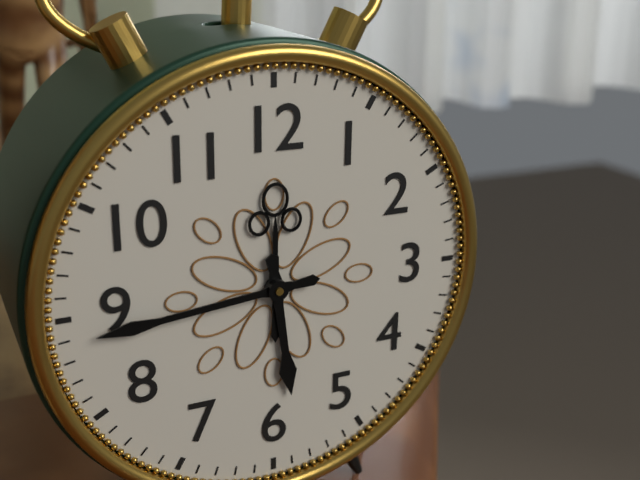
5:44
